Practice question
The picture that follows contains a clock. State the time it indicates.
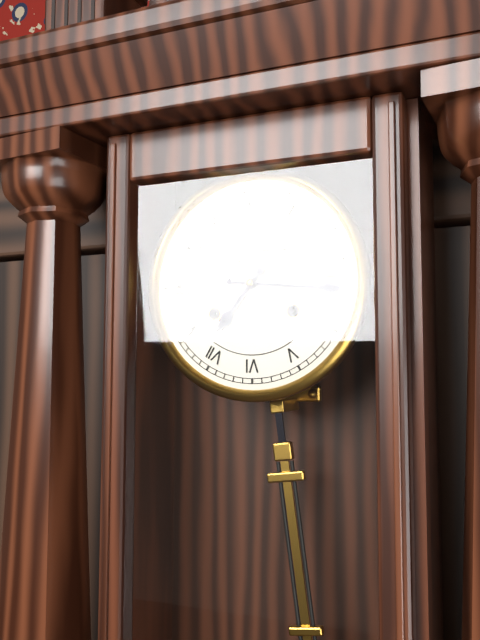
7:16
